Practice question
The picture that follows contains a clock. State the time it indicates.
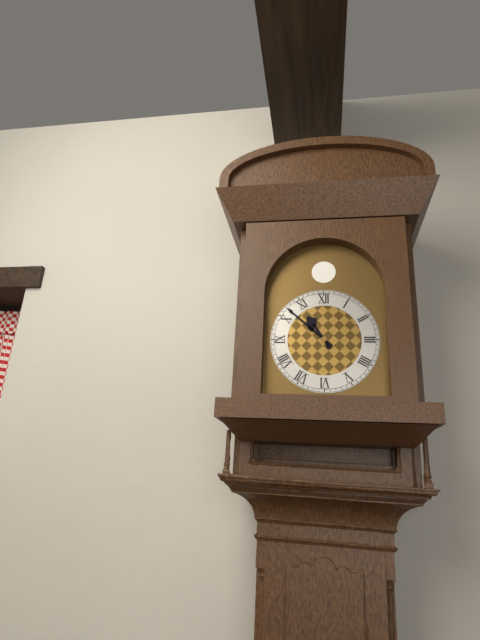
10:52
